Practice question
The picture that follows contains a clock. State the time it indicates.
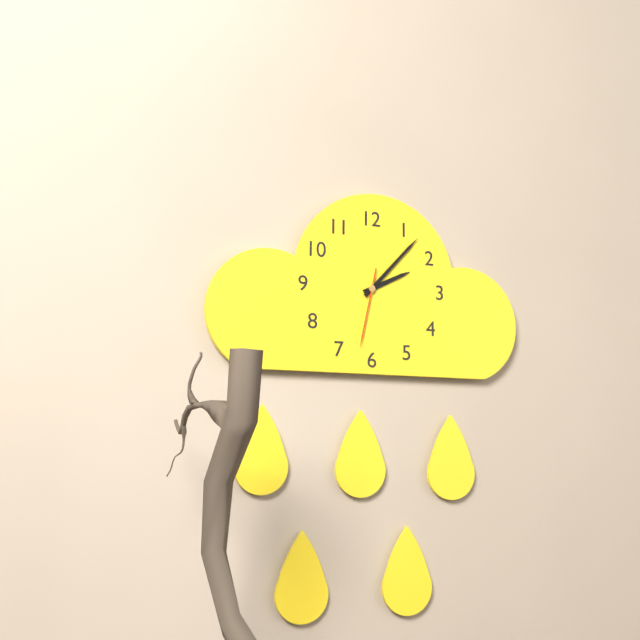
2:07:32
